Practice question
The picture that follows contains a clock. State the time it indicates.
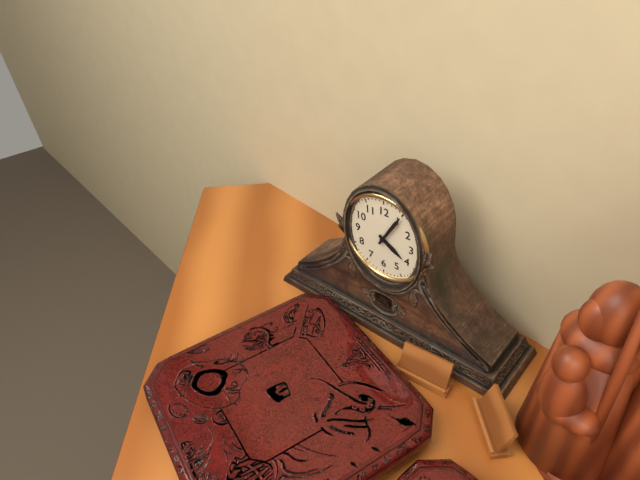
4:05
